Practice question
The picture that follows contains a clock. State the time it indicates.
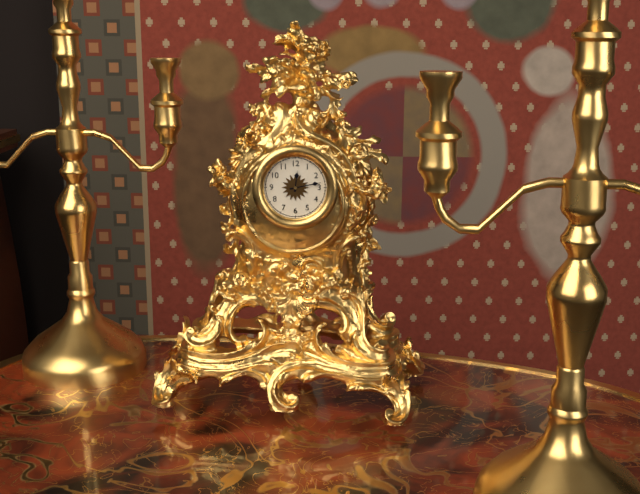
12:13
